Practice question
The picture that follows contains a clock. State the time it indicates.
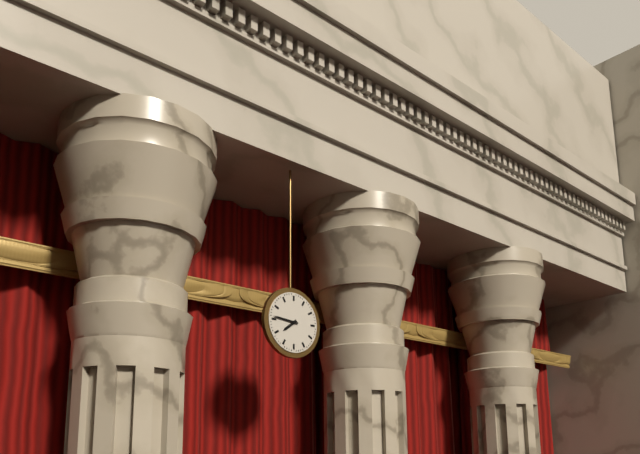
7:46
